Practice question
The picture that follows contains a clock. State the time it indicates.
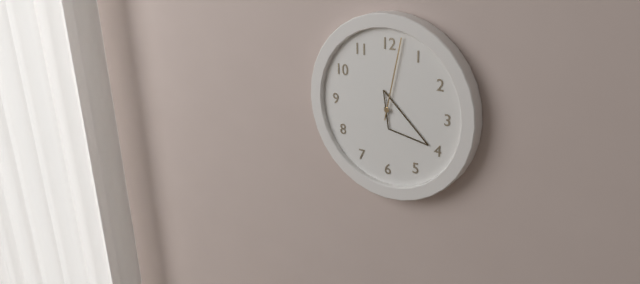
4:02
